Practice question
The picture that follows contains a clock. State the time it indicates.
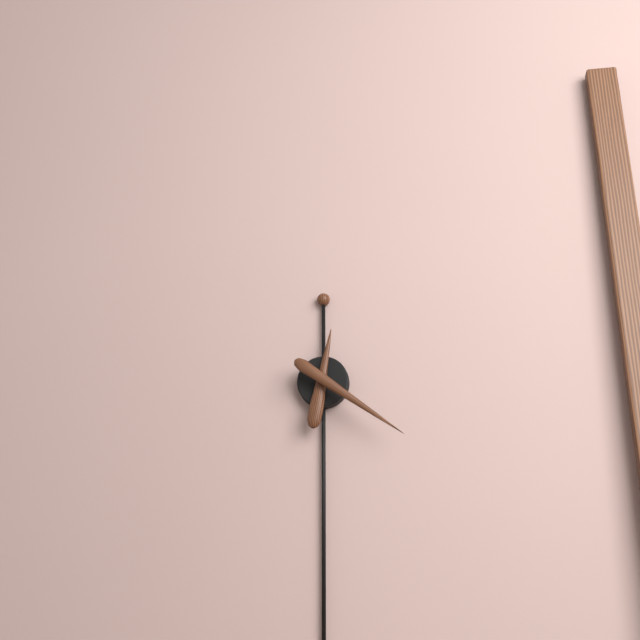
12:21
